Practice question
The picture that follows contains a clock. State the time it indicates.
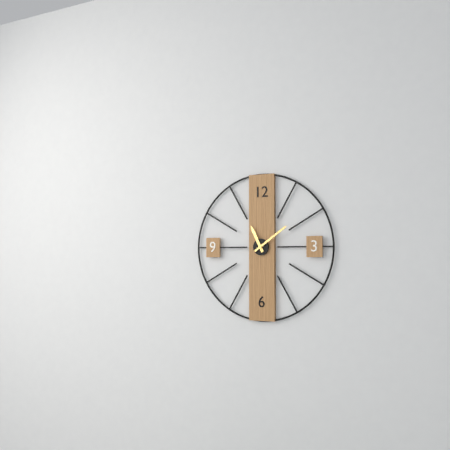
11:09
